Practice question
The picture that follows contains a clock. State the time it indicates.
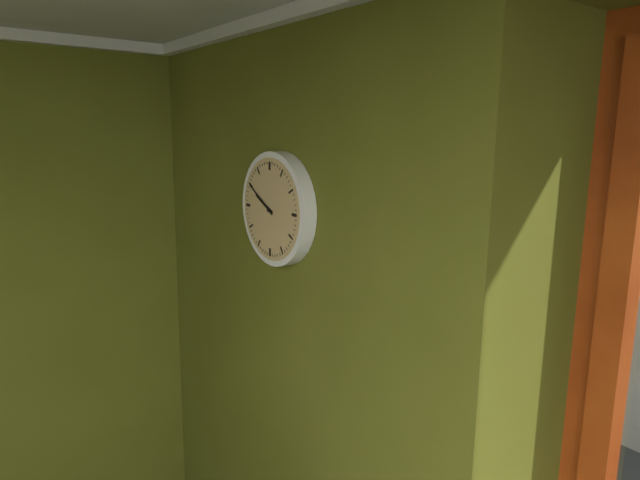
9:50
